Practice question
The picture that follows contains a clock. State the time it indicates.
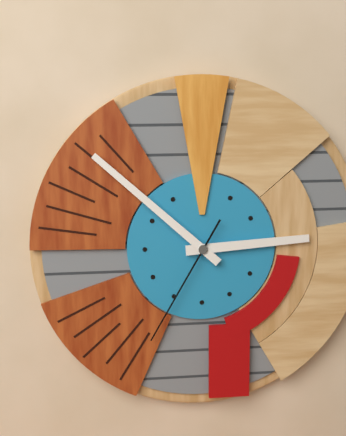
2:52:35
